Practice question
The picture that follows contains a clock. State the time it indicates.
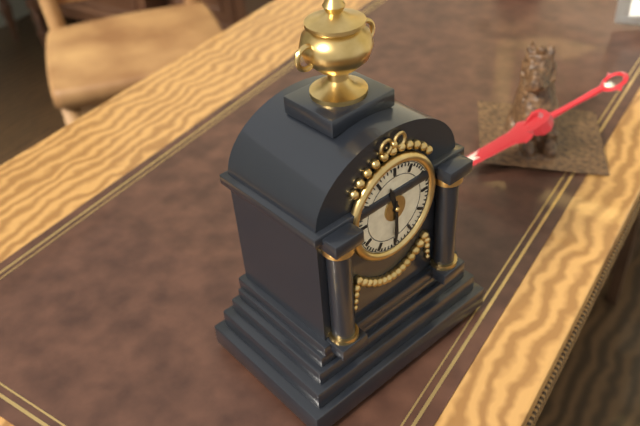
11:30
